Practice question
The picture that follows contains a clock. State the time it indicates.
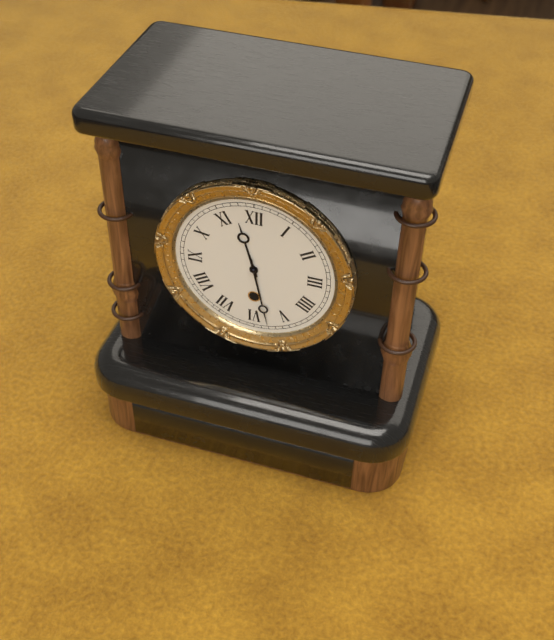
11:28
